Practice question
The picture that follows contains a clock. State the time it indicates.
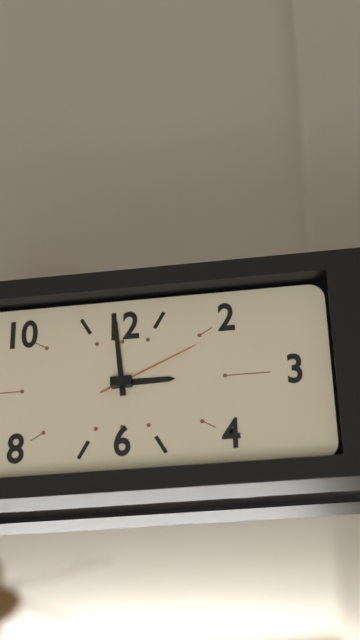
2:59:11
